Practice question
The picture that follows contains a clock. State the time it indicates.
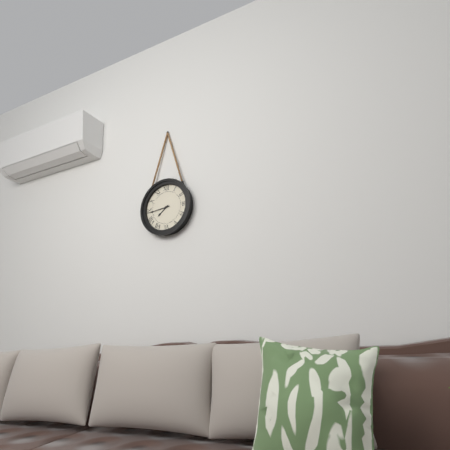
7:44
